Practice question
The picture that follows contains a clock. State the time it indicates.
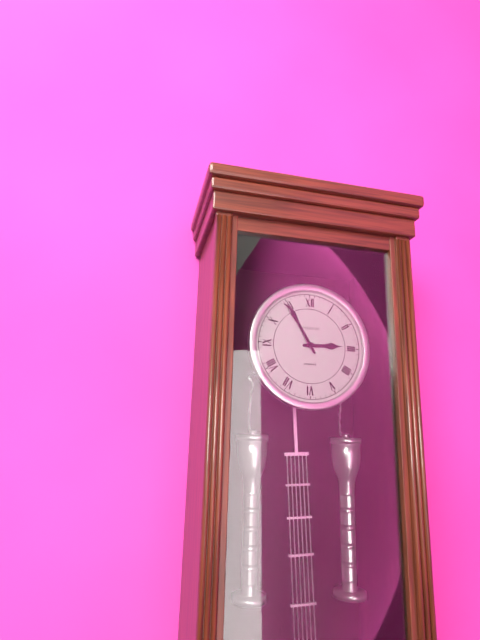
2:55
